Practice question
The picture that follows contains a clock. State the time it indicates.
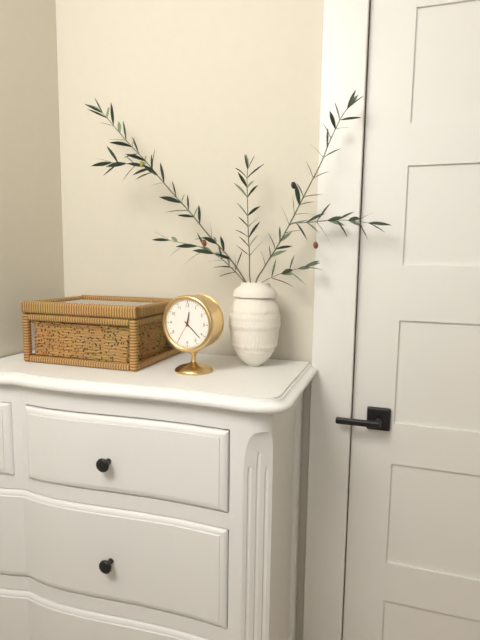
12:22
